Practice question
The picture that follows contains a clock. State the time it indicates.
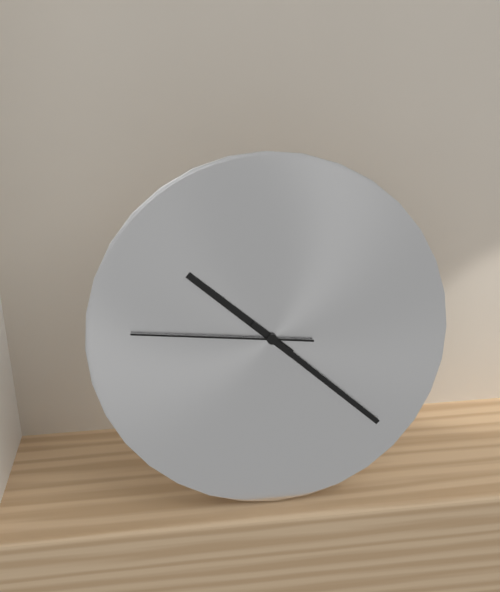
10:22:46
